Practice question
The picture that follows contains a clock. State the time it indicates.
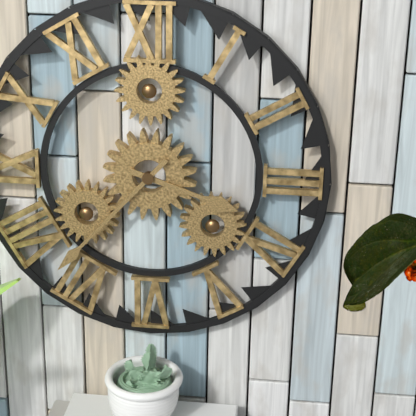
3:37
